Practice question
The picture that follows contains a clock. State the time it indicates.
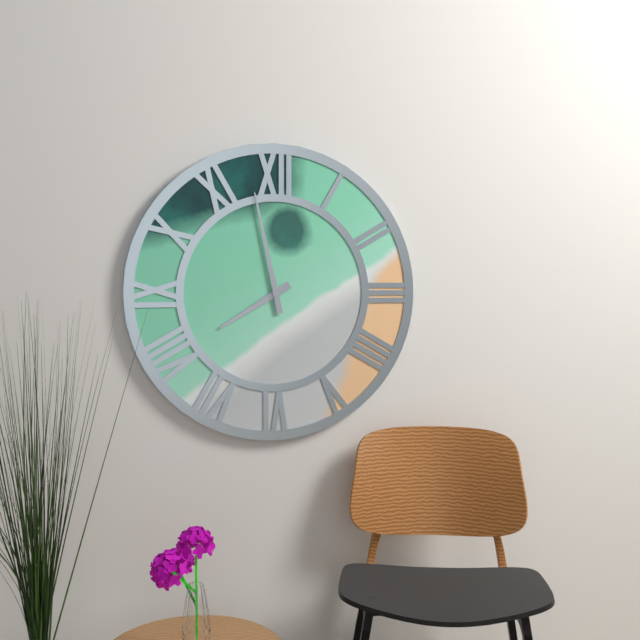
7:58
